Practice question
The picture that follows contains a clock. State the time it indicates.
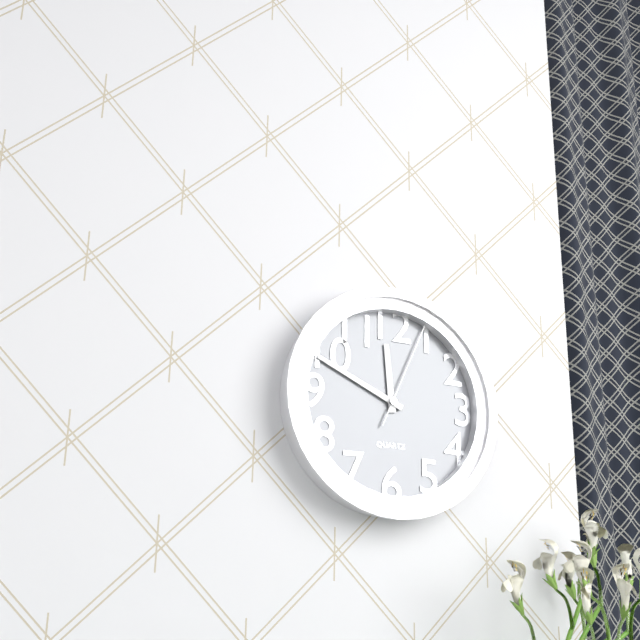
11:49:04
